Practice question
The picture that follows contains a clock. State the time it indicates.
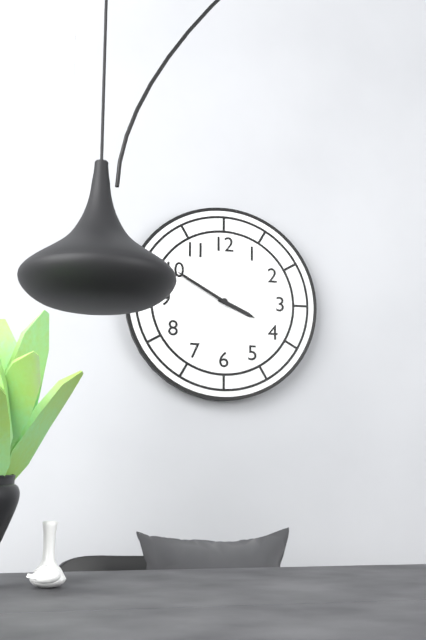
3:50:01
